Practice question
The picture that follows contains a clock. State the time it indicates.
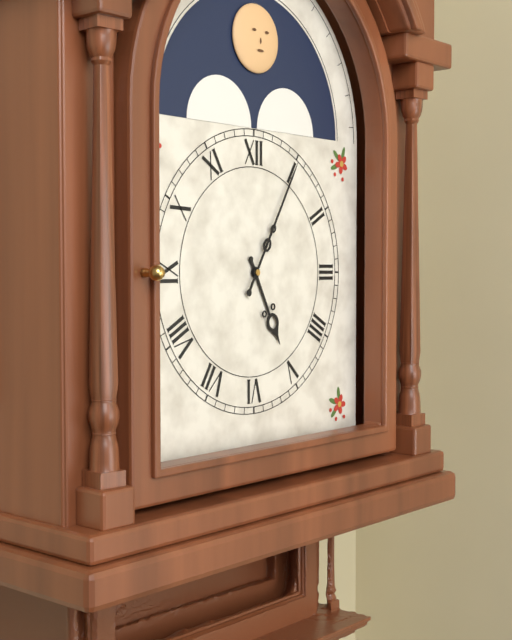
5:05
